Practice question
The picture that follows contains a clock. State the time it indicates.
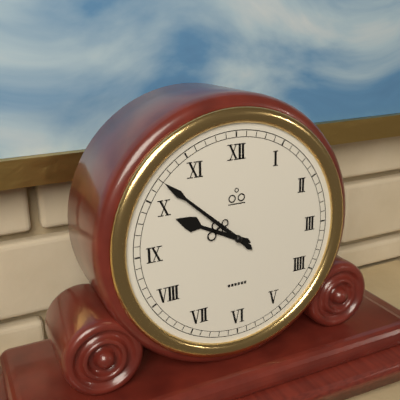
9:52
